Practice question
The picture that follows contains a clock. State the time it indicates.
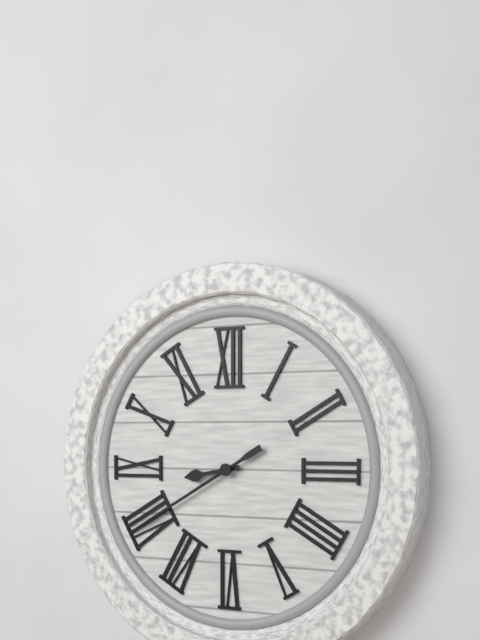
8:40
